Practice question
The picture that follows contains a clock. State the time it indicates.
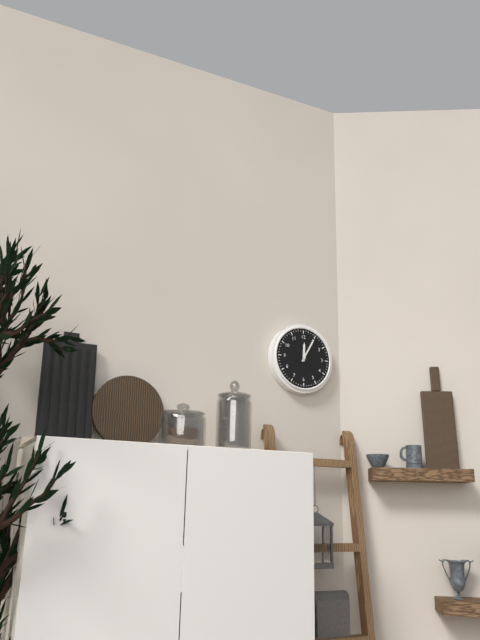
12:05
